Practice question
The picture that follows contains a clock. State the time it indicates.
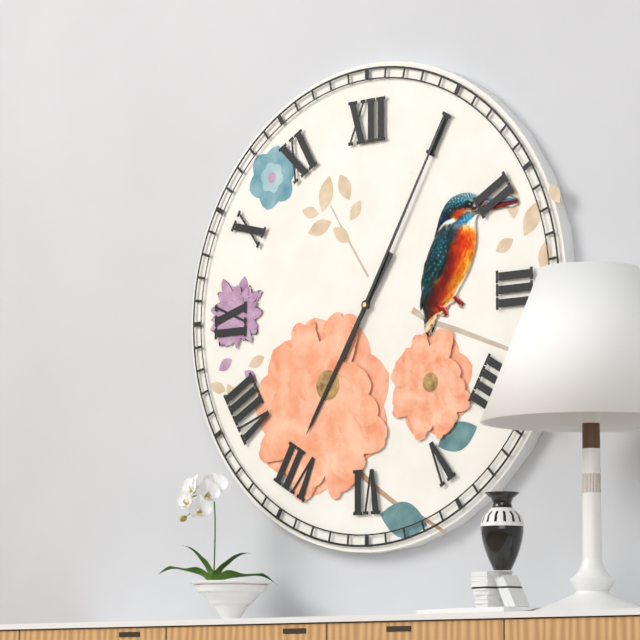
7:05
